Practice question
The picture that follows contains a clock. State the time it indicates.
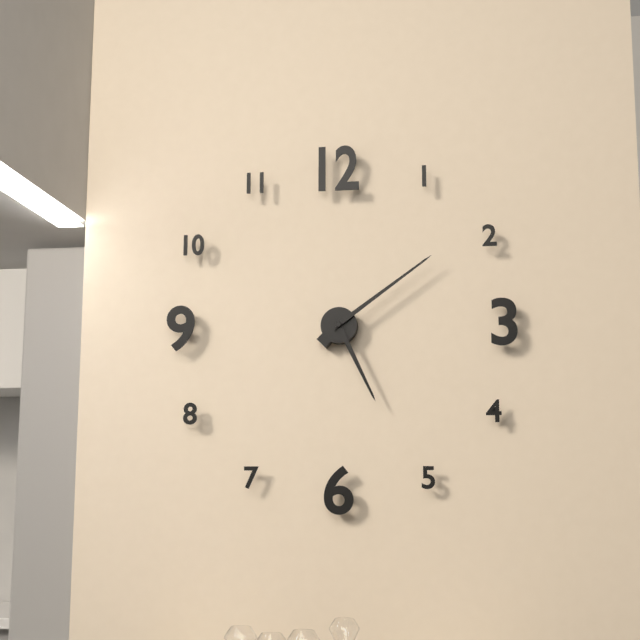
5:09
